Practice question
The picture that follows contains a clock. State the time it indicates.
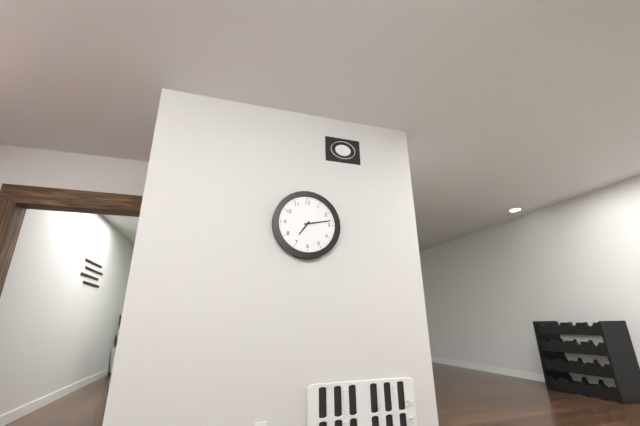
7:13
